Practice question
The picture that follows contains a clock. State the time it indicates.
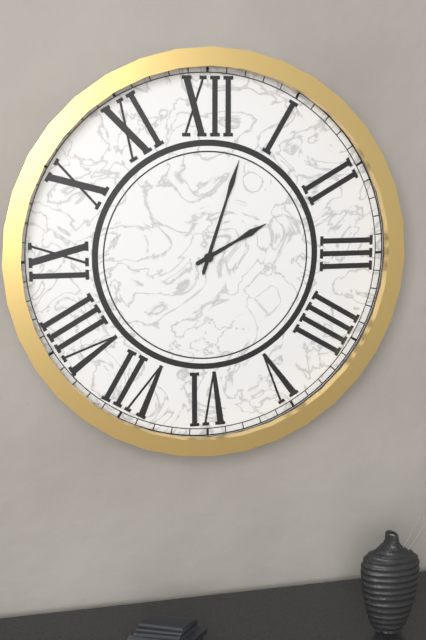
2:03
